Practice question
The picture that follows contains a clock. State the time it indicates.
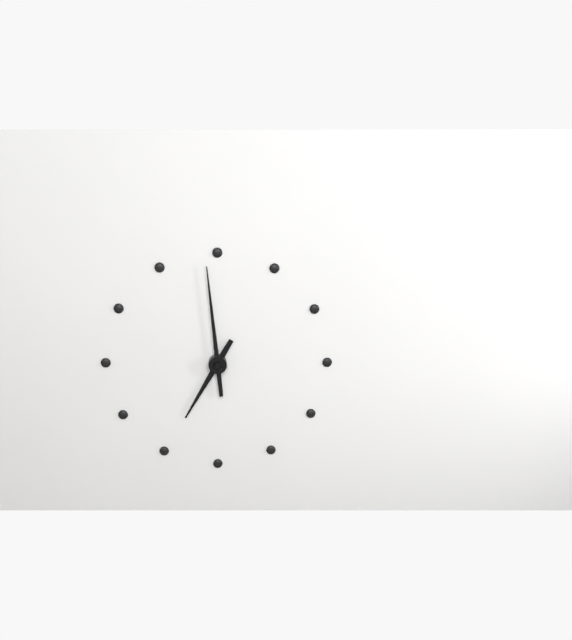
6:59
